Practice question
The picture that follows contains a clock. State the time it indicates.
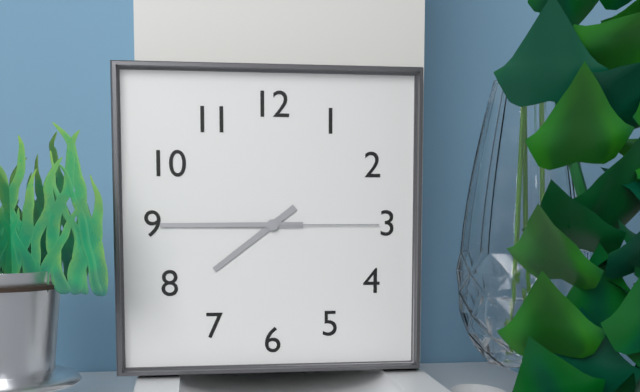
7:45:15
